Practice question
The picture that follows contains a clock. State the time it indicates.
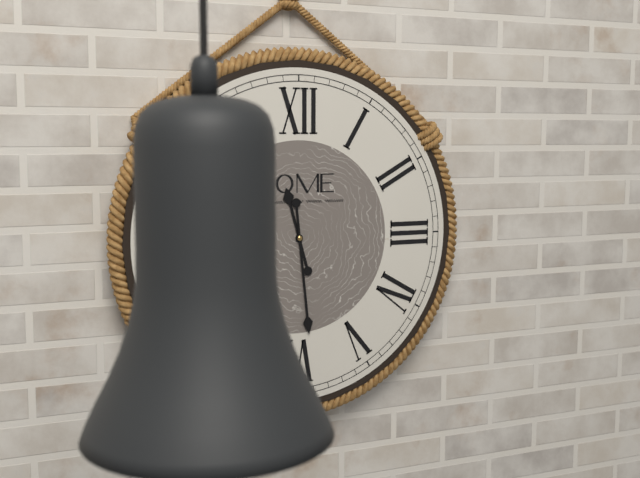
11:29
